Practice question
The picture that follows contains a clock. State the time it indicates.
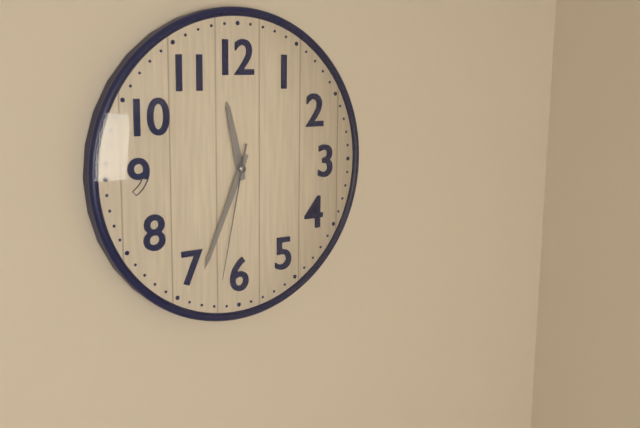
11:34:32
